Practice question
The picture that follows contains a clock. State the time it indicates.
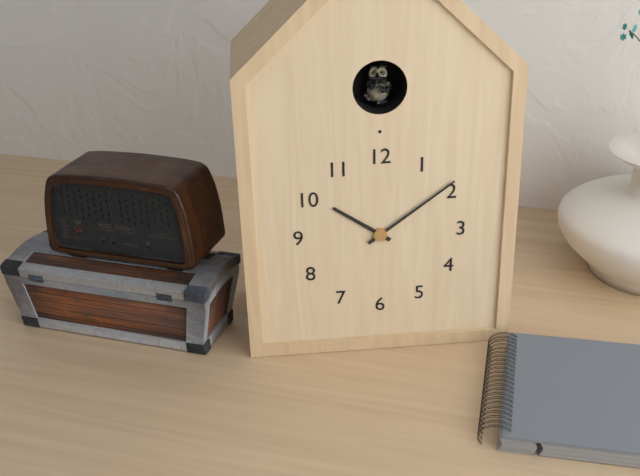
10:09
